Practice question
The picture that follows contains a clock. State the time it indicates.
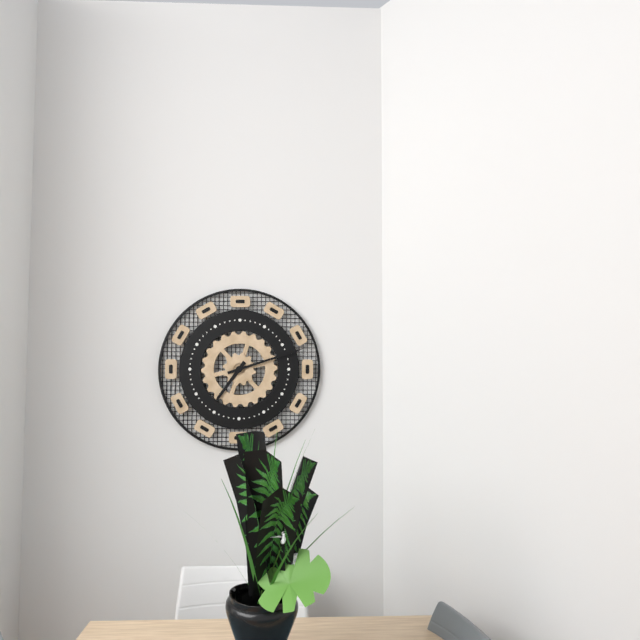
7:12
